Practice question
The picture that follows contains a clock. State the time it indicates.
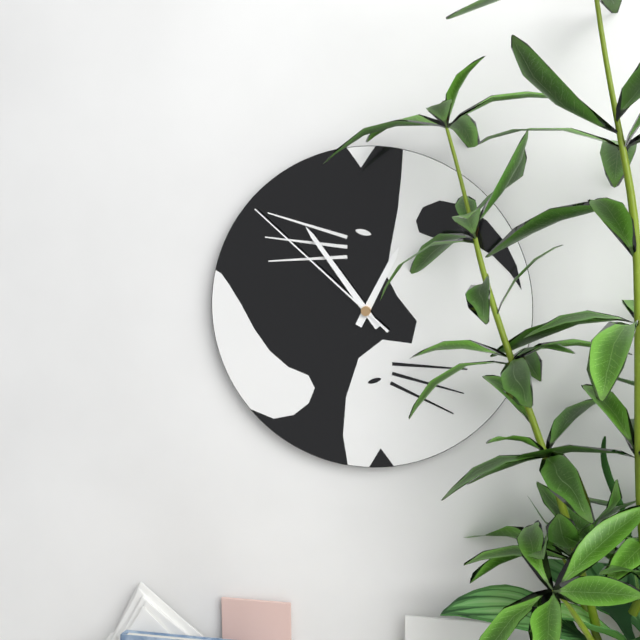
12:54:52
